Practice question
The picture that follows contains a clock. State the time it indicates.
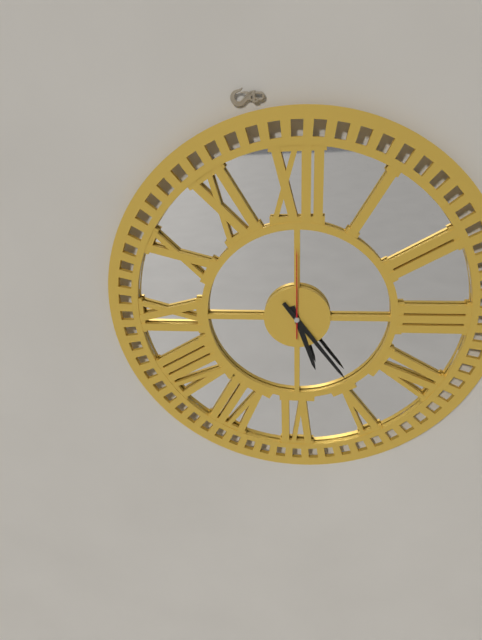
5:24:00
